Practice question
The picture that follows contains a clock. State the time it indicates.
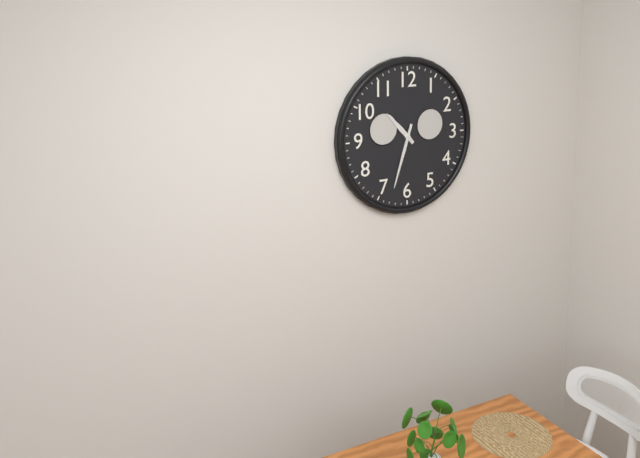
10:33
